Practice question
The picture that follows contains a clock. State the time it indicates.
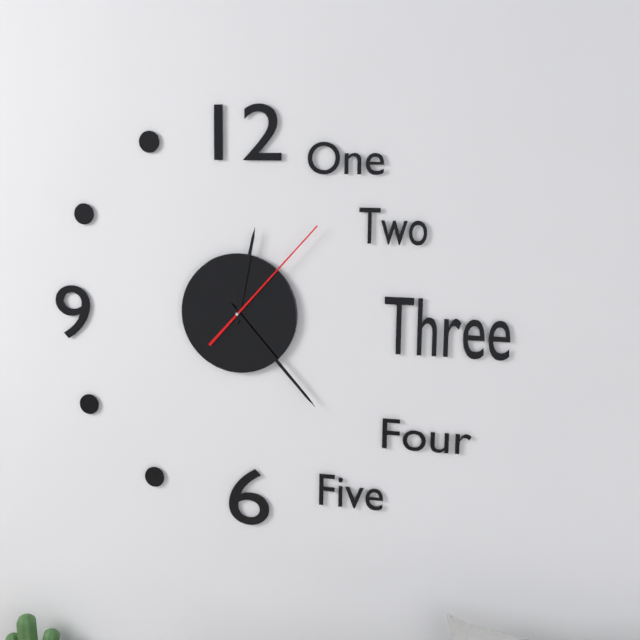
12:23:07
